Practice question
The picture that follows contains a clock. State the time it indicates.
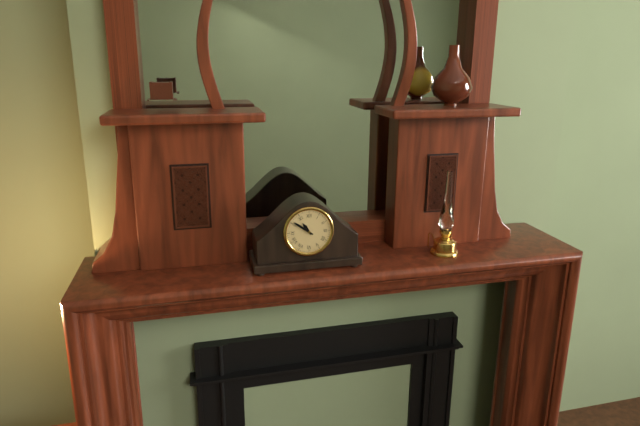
10:51
